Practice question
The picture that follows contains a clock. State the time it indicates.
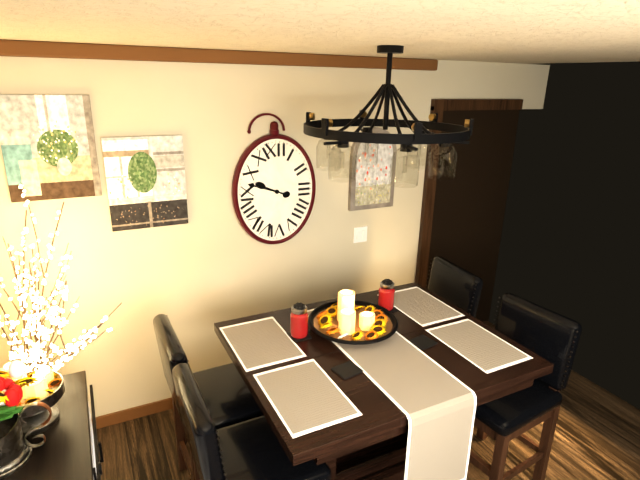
9:48
